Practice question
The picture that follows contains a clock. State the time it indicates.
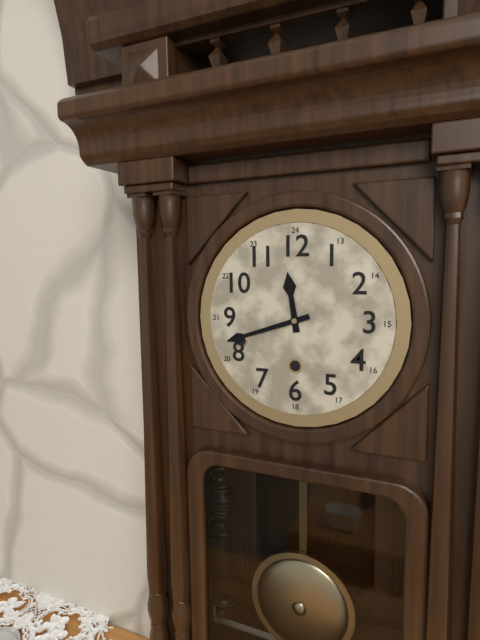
11:42
